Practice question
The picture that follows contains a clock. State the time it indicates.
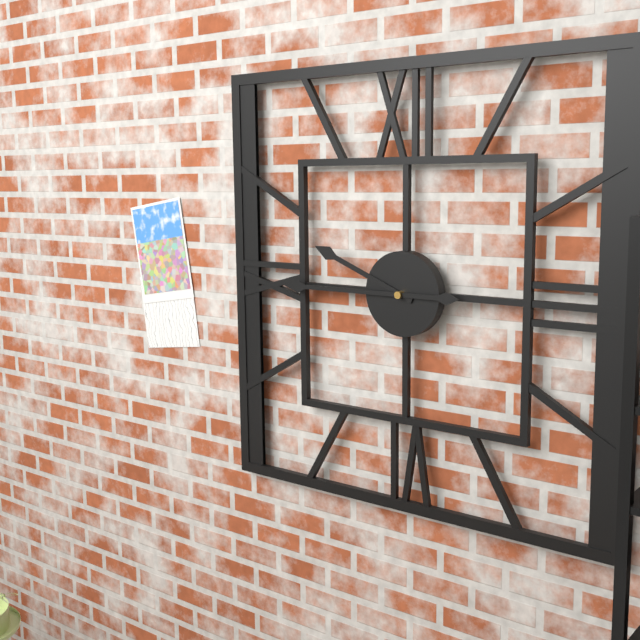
9:45
